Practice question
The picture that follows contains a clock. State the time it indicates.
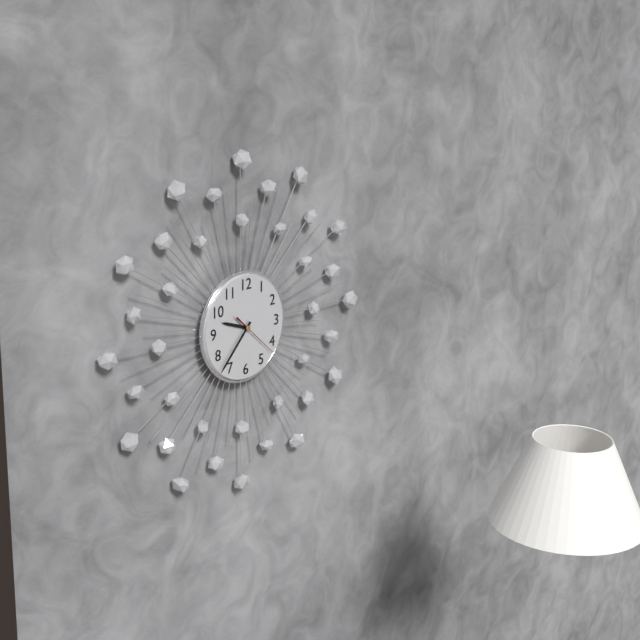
9:37
